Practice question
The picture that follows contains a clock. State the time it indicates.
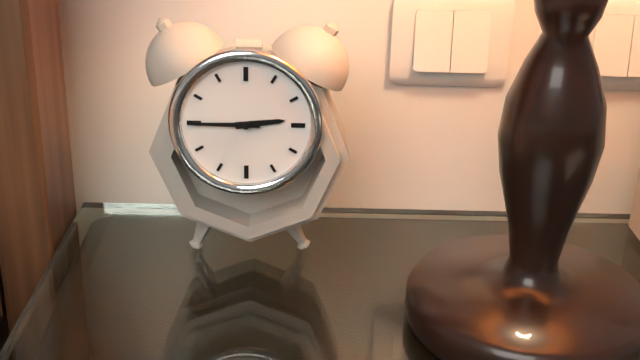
2:45
